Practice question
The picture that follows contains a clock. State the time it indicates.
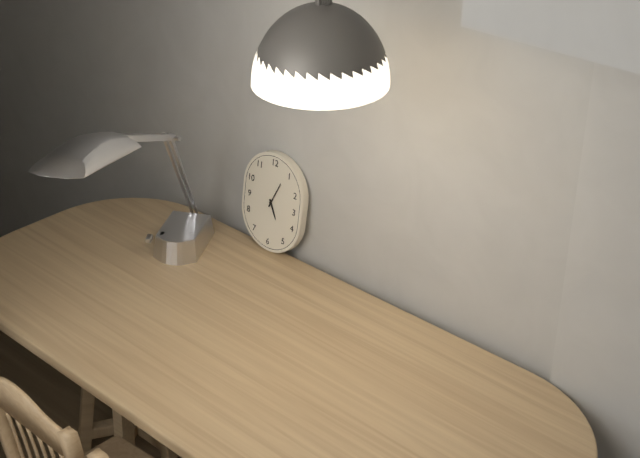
5:04
